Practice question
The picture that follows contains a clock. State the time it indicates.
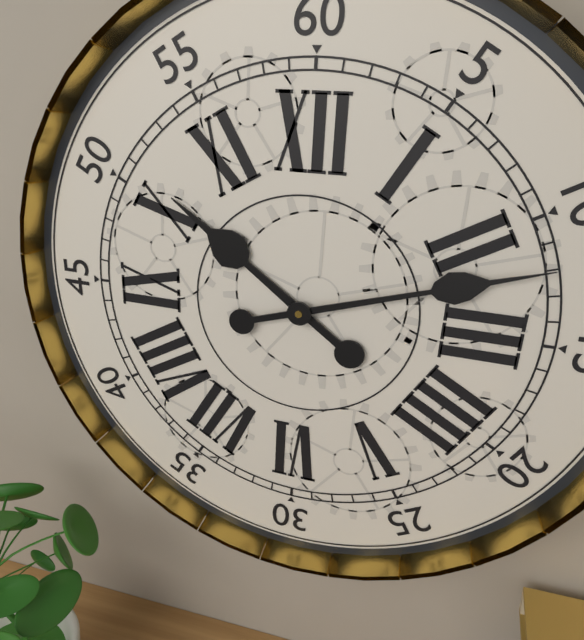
10:12
